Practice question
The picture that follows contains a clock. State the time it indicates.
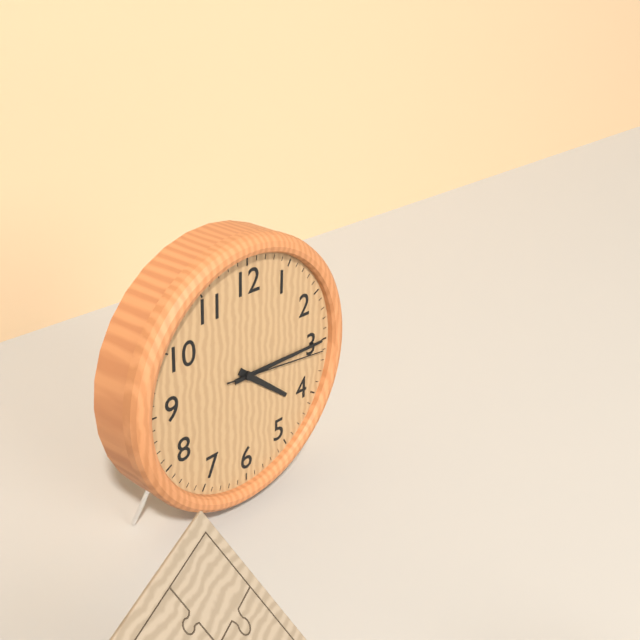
4:15:16
